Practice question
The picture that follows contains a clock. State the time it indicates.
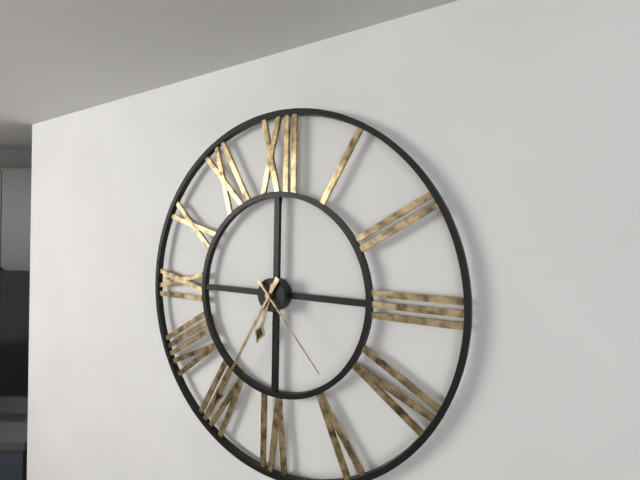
6:35:23
